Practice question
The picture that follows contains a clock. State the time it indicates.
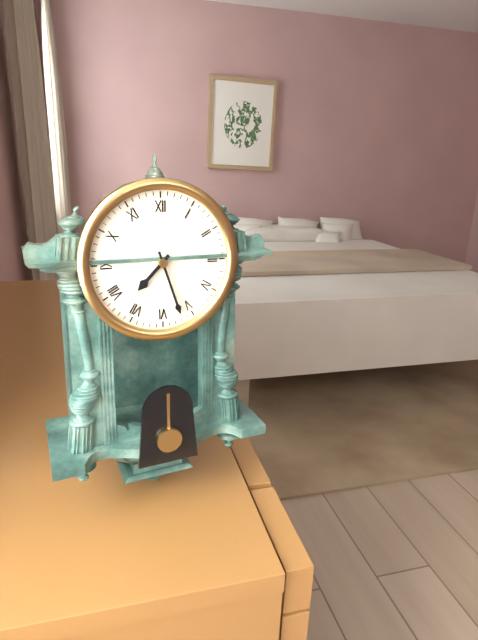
7:27
